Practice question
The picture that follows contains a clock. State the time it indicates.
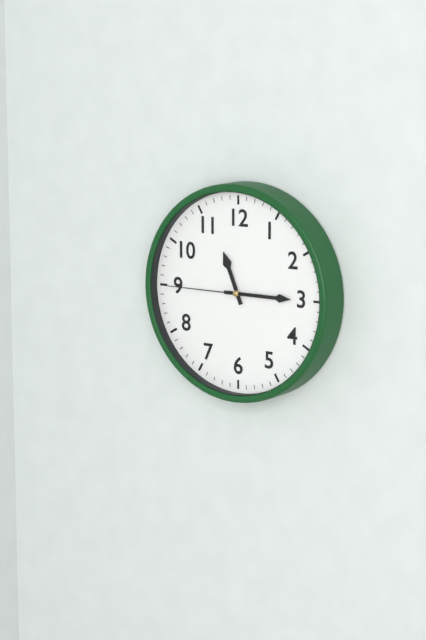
11:15:45
